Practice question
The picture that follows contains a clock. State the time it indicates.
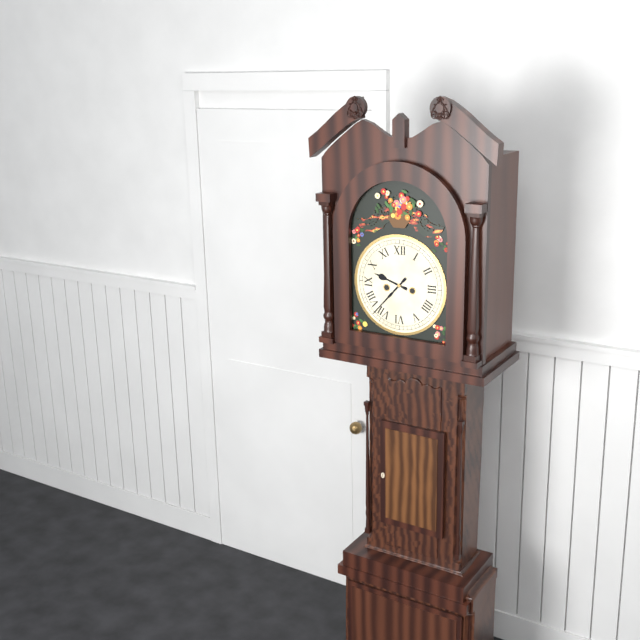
9:37
